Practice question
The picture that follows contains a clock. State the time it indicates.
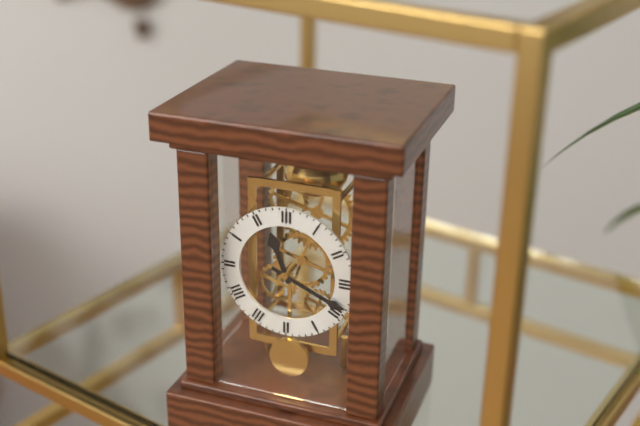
11:19
